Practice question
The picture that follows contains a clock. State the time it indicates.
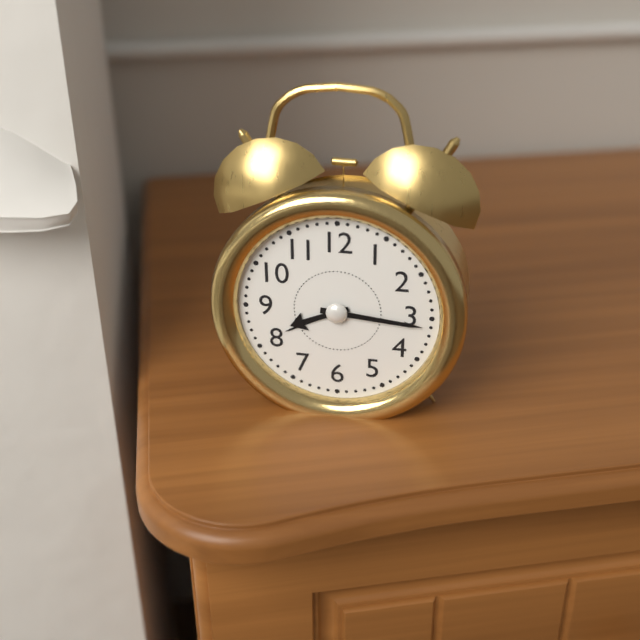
8:16
